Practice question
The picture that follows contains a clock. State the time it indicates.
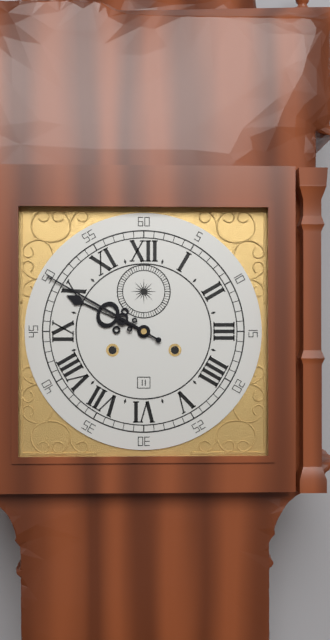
9:50
